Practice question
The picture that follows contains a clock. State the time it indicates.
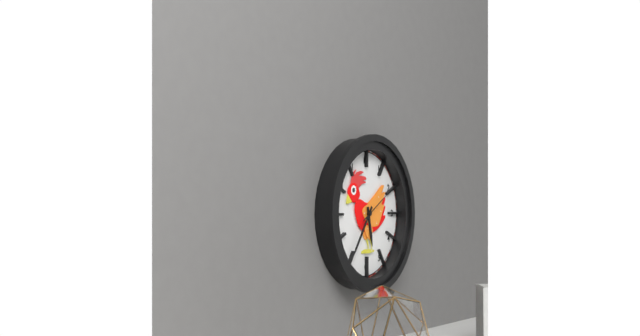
5:36:10
